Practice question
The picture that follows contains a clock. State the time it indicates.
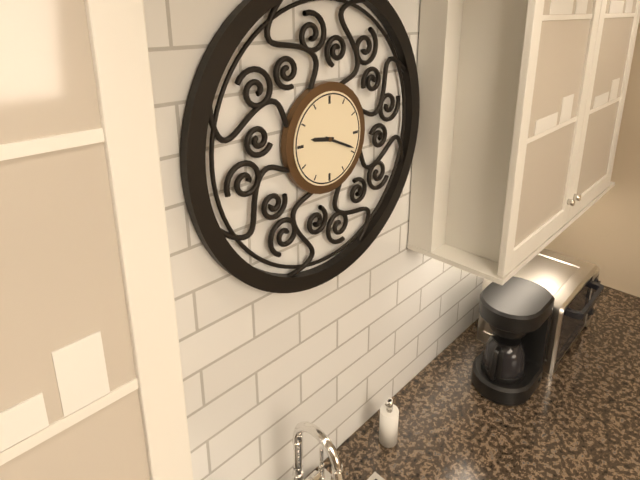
9:19
